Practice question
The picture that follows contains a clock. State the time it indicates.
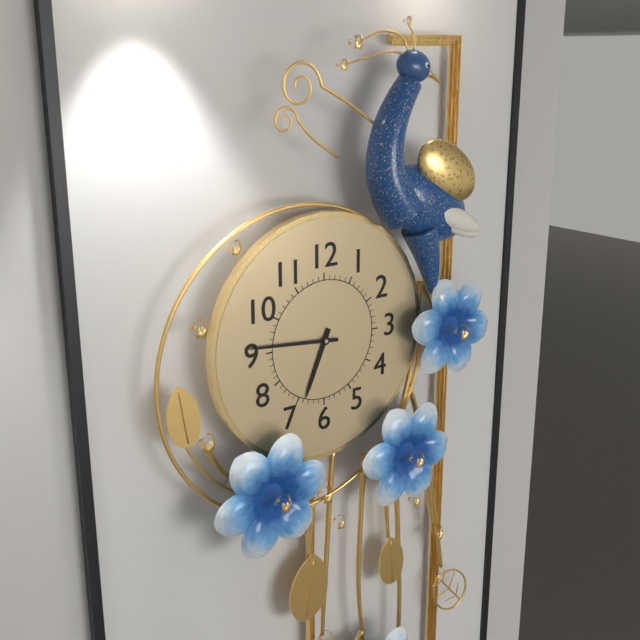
6:46
